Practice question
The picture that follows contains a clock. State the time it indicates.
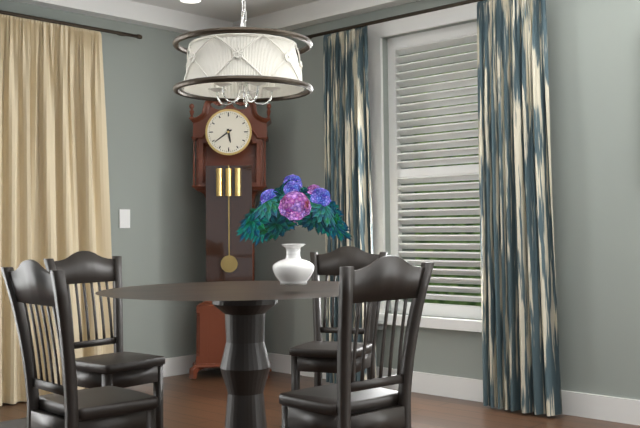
5:39
